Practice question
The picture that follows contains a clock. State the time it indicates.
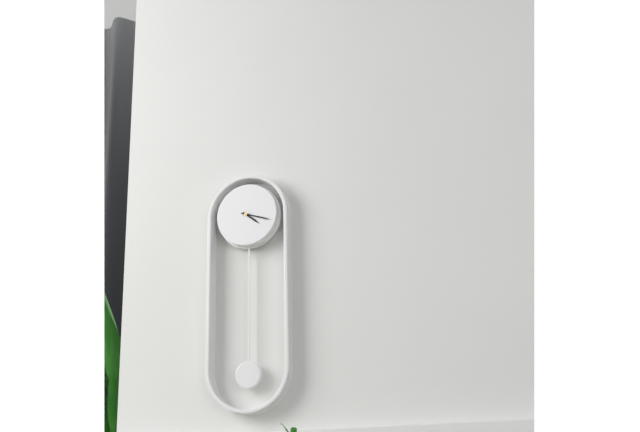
4:18
